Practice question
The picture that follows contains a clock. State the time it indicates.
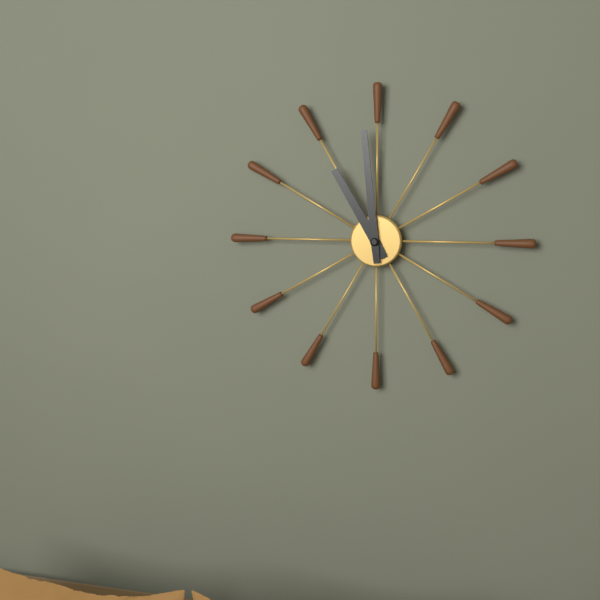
10:59
